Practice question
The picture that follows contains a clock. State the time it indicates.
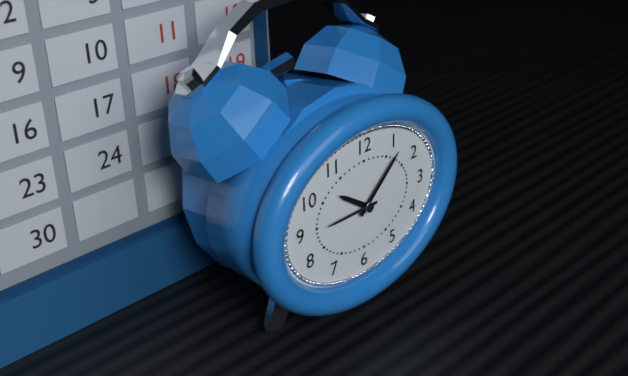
10:08:45
